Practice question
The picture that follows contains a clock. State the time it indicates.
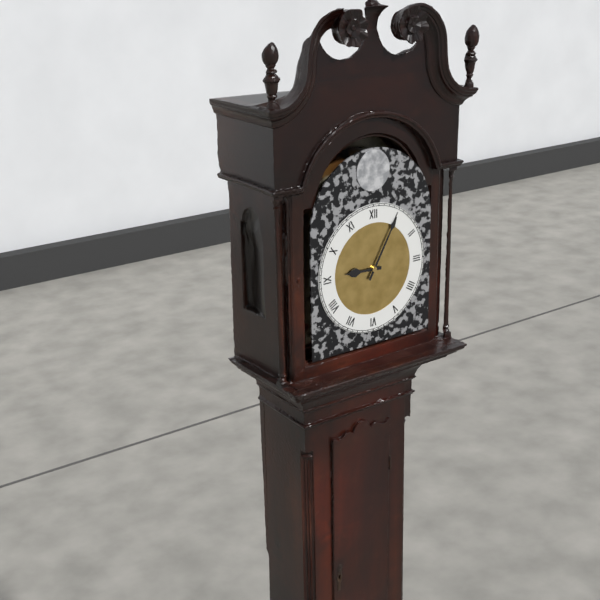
9:05
